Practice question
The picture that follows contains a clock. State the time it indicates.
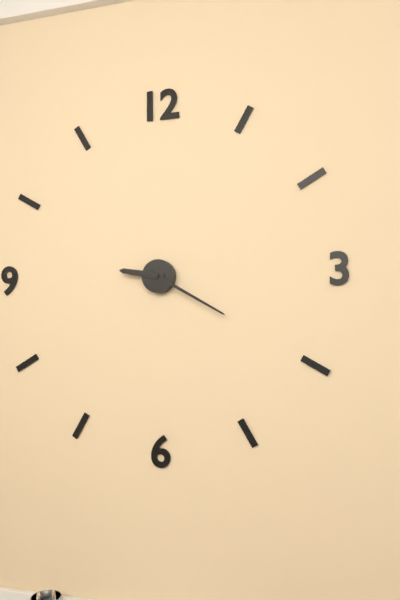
9:20
